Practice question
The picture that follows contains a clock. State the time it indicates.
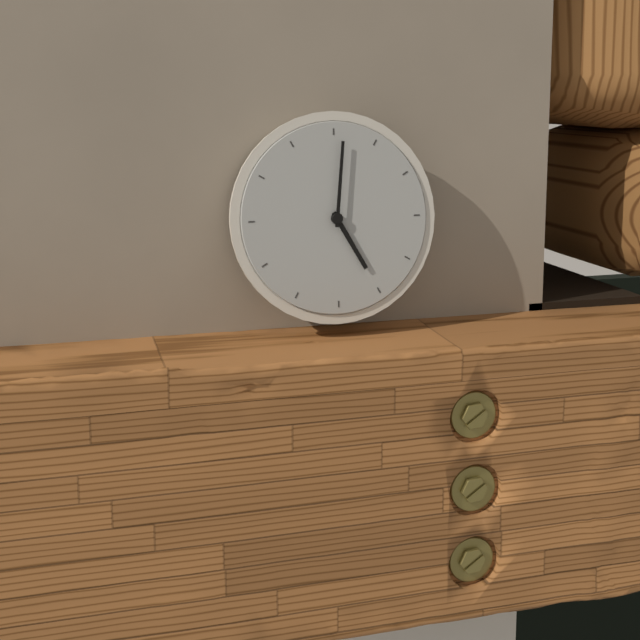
5:01
